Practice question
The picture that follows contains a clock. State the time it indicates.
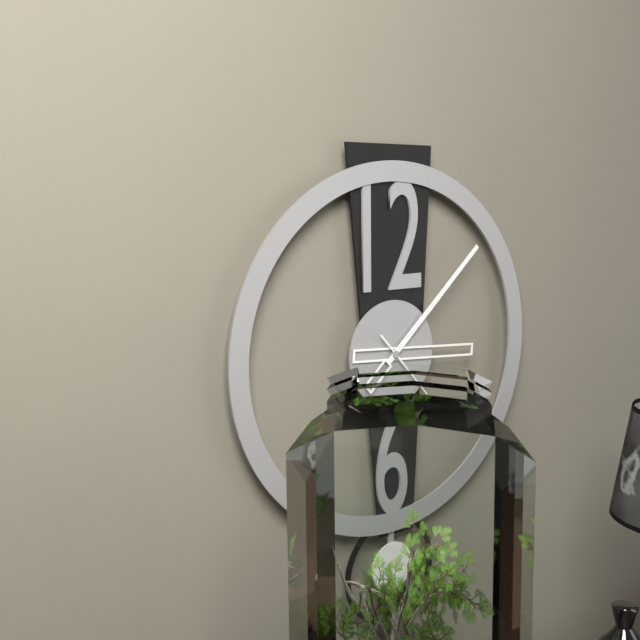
3:08:23
